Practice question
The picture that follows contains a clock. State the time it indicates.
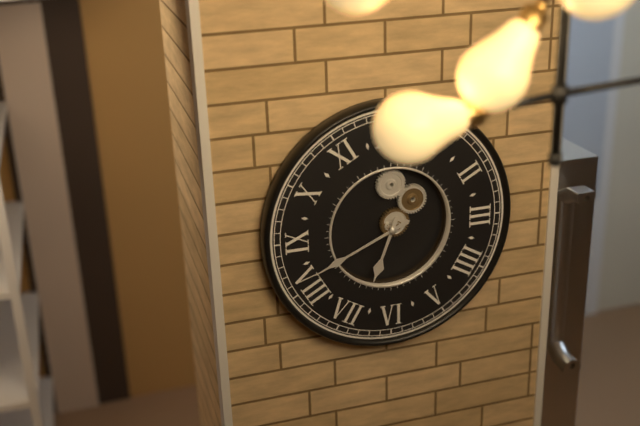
6:41
